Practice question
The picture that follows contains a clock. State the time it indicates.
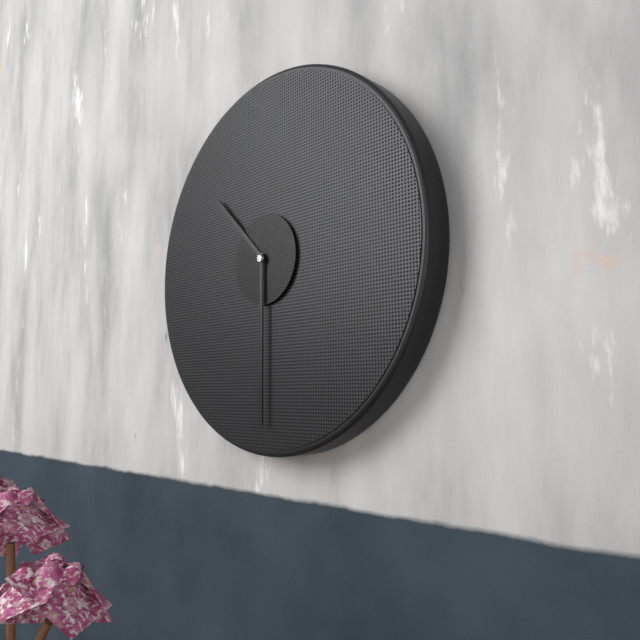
10:30
